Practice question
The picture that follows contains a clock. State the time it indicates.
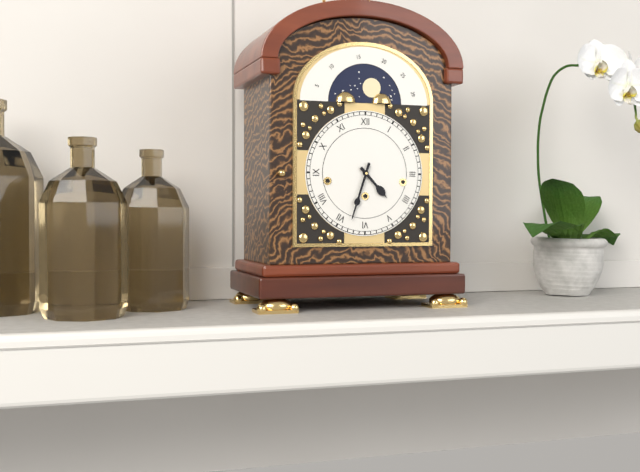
4:33
